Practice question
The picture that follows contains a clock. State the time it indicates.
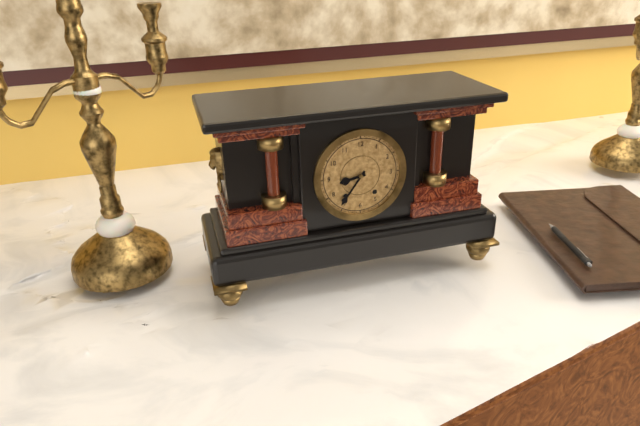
8:36
